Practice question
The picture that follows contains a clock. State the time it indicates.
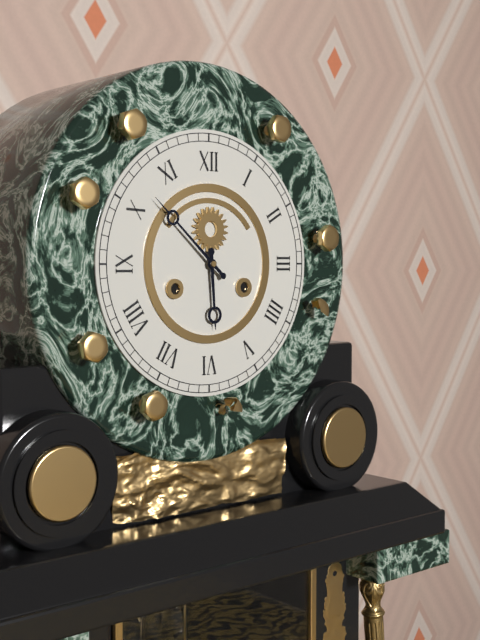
5:52
